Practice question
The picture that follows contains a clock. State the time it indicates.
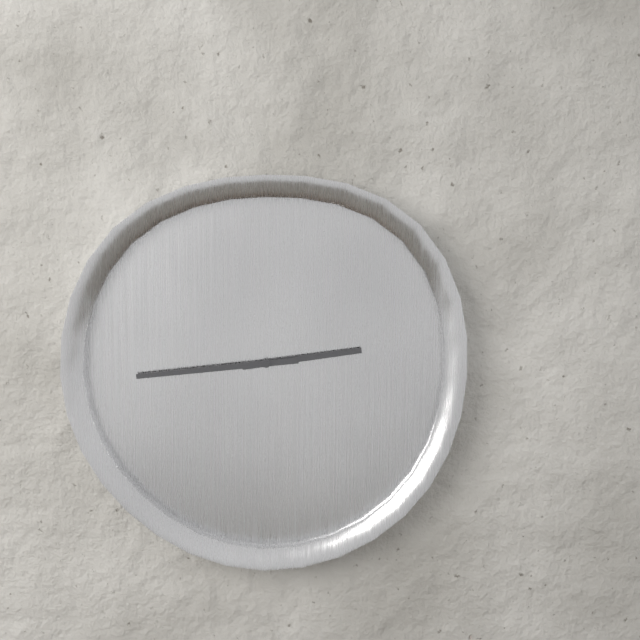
2:44
